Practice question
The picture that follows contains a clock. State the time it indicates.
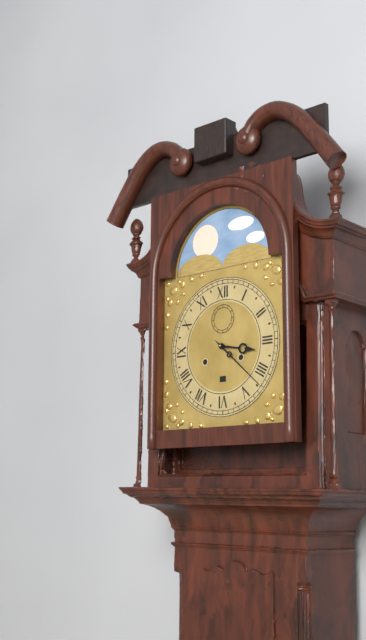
3:22
